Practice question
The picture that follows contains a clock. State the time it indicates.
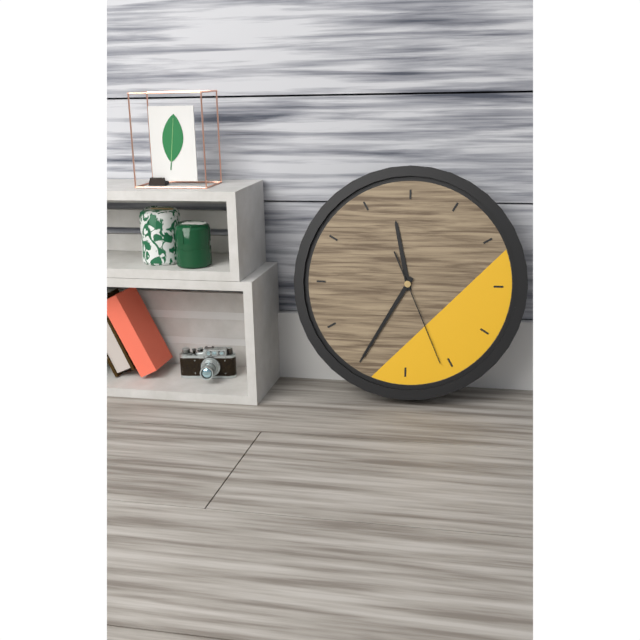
11:35:26
